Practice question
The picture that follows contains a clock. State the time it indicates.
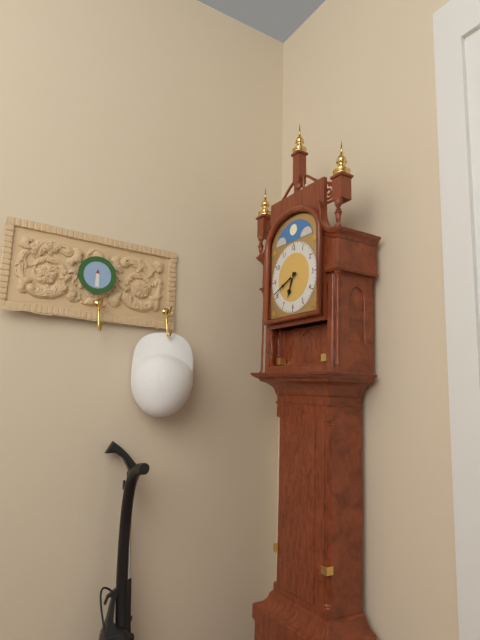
6:41
